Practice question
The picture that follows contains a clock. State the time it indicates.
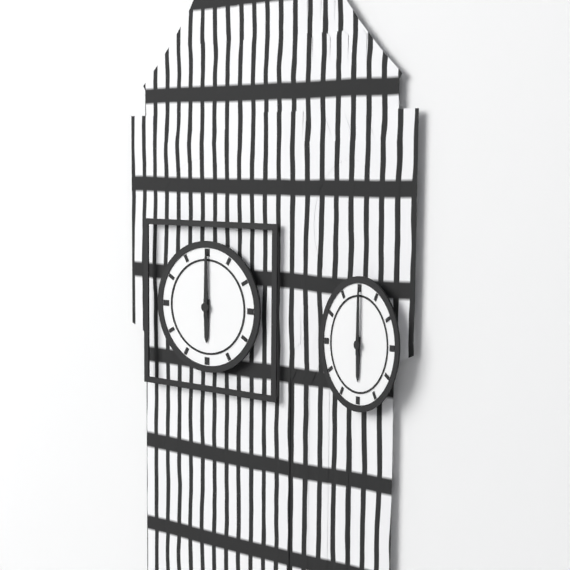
6:00
